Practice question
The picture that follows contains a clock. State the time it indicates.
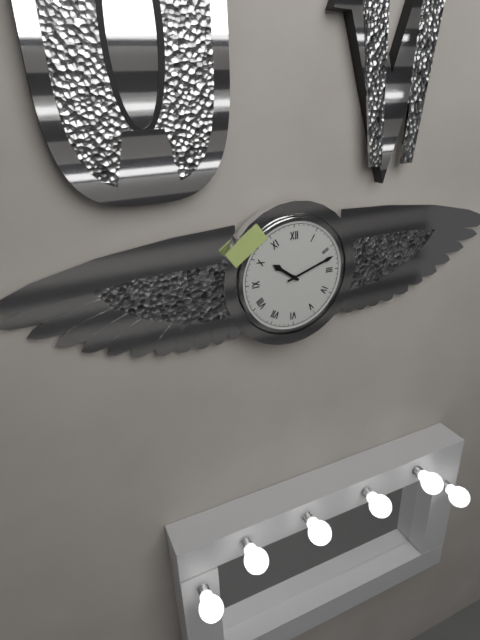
10:12
